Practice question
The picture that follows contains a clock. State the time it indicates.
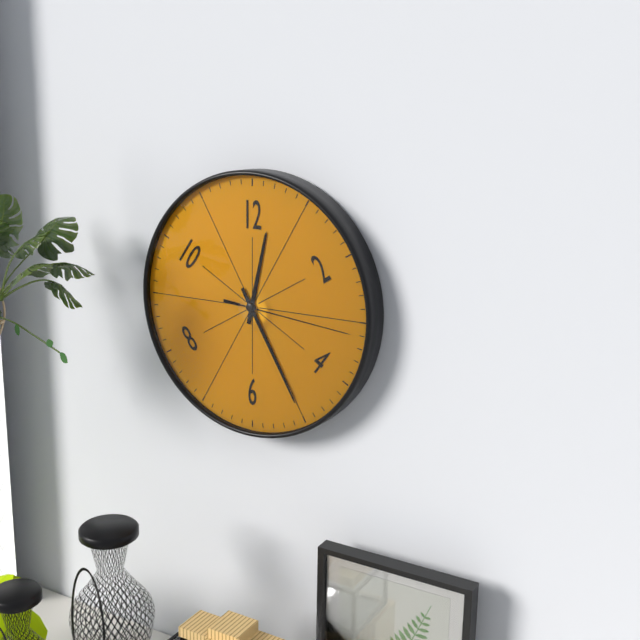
12:25:16
